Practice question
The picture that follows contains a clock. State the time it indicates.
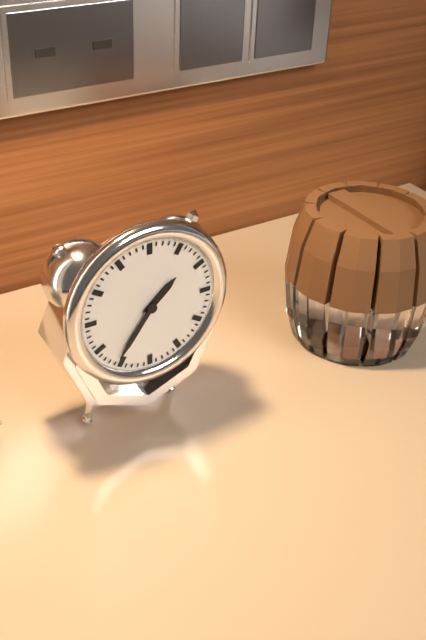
1:36
